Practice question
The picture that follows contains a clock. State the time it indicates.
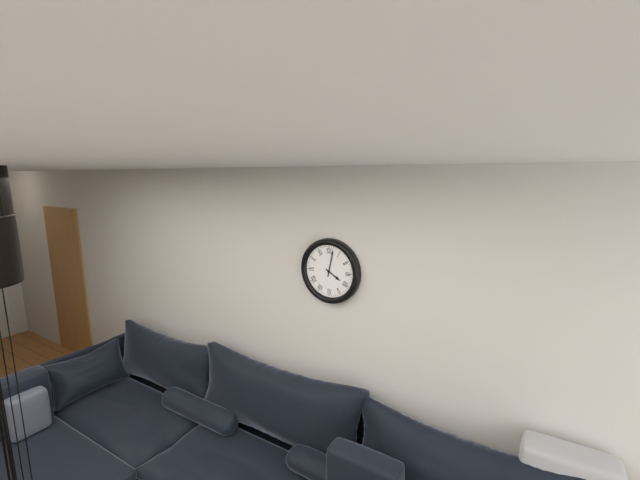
4:02
